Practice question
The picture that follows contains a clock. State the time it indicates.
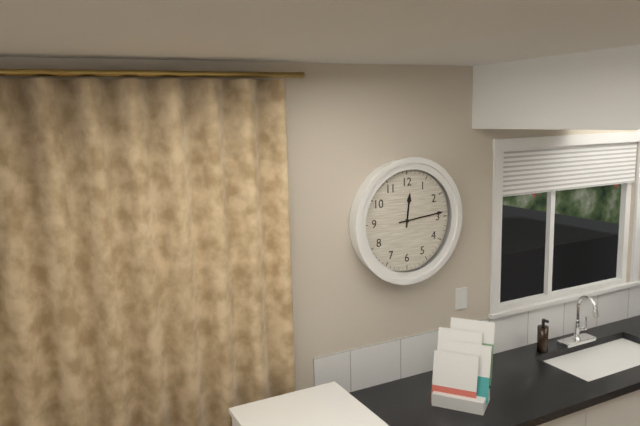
12:14
